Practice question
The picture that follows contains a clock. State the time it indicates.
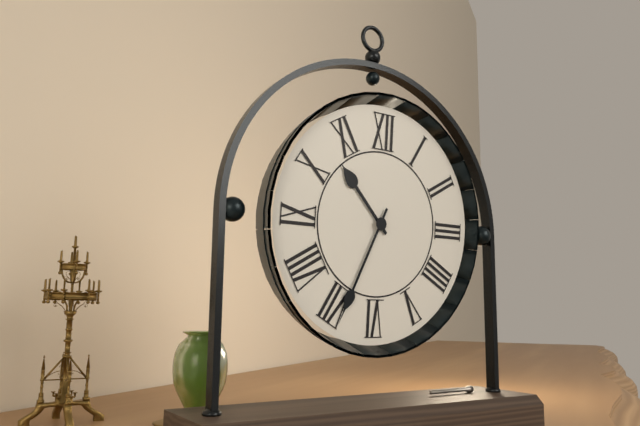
10:34
